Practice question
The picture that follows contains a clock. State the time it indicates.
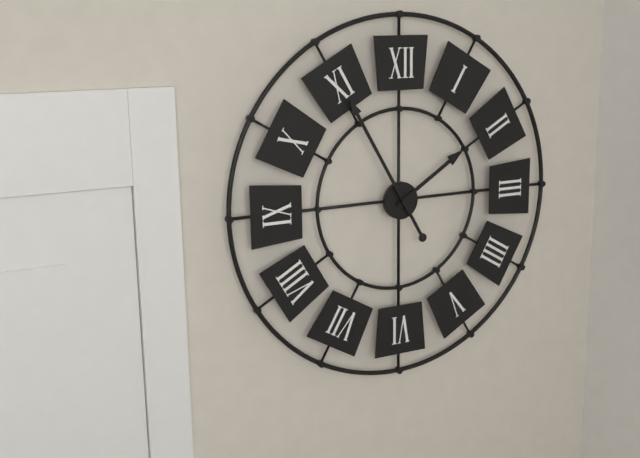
1:55
